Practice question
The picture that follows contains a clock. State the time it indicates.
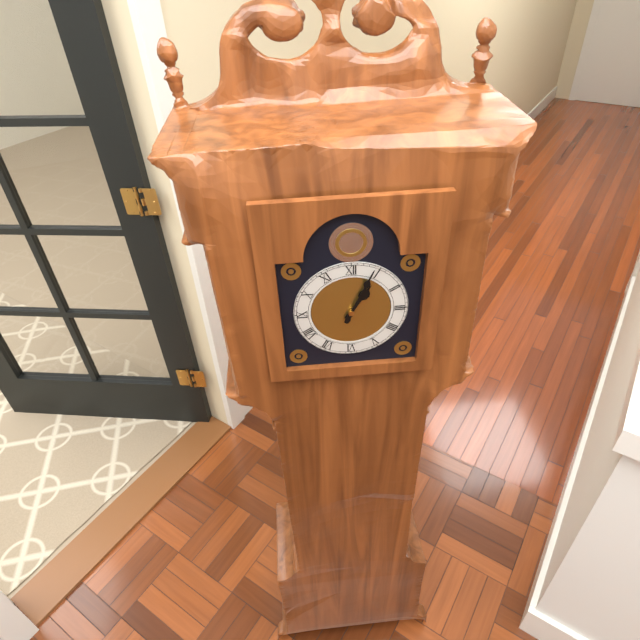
1:04
